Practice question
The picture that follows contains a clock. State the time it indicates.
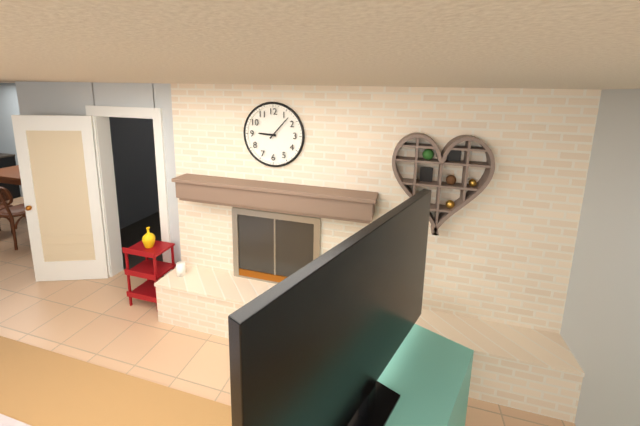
9:07
